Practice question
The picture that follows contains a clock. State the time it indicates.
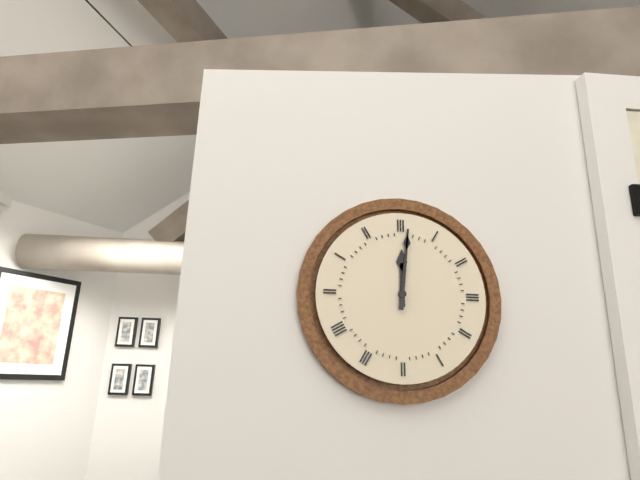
12:01
